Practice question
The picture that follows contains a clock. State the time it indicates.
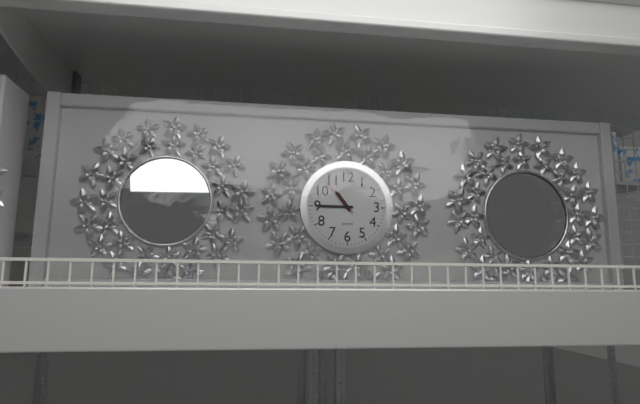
10:45
